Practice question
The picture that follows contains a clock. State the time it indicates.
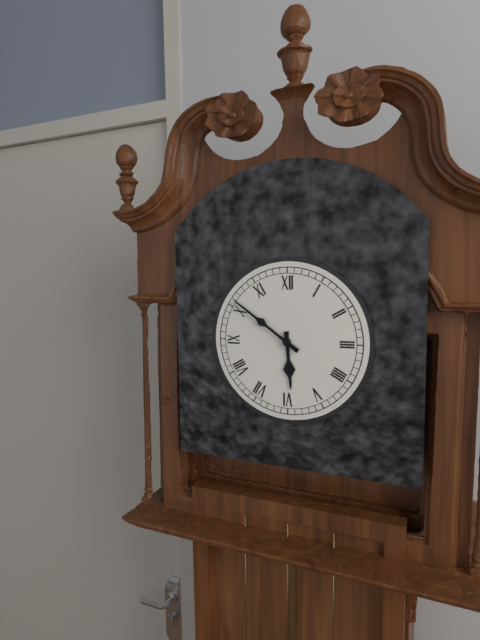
5:51
